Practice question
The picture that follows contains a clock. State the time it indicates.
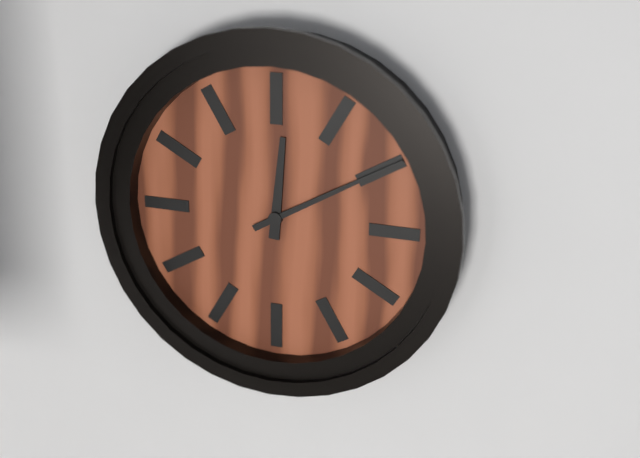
12:10
